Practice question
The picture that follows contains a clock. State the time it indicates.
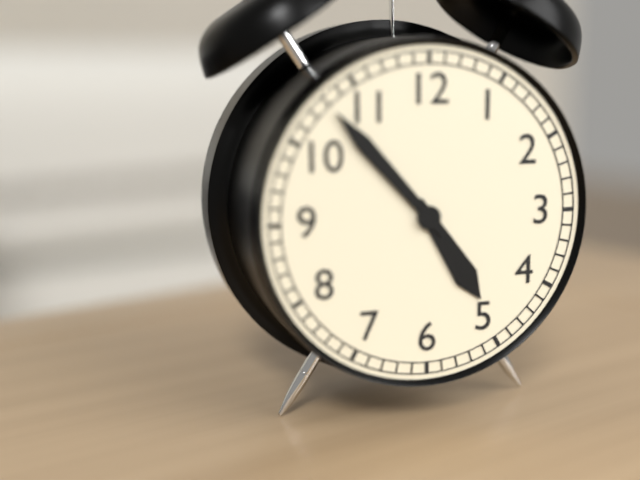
4:53
